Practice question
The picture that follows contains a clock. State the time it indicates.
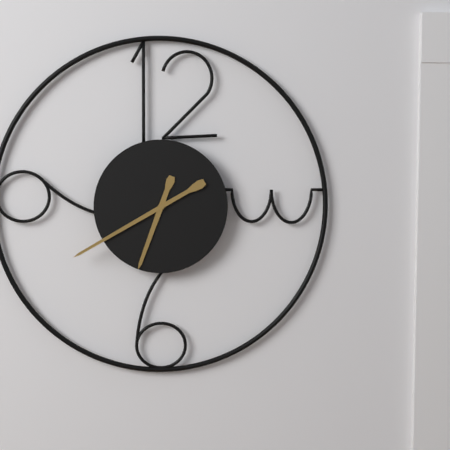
6:40
